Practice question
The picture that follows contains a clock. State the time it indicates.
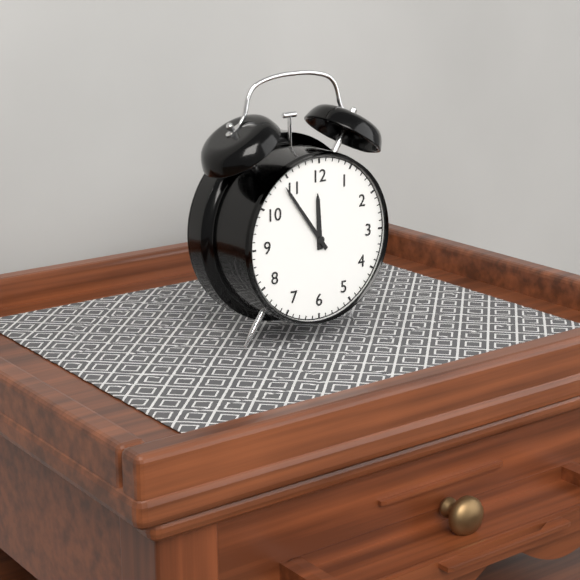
11:54
